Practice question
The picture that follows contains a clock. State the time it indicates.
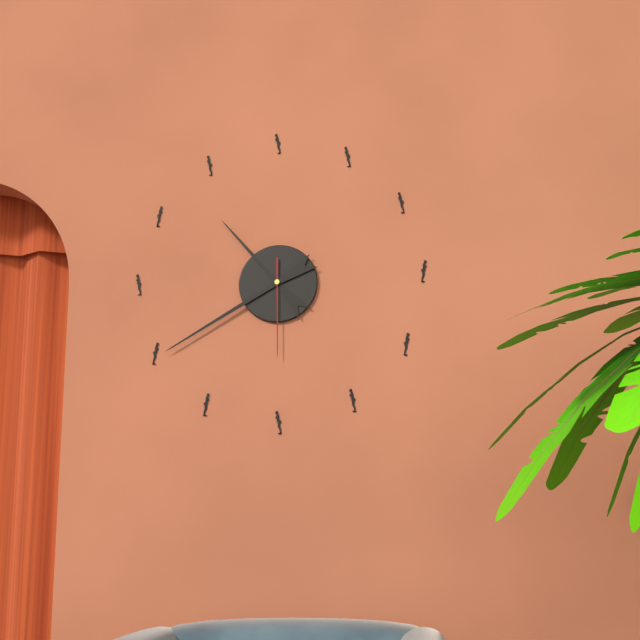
10:40:30
